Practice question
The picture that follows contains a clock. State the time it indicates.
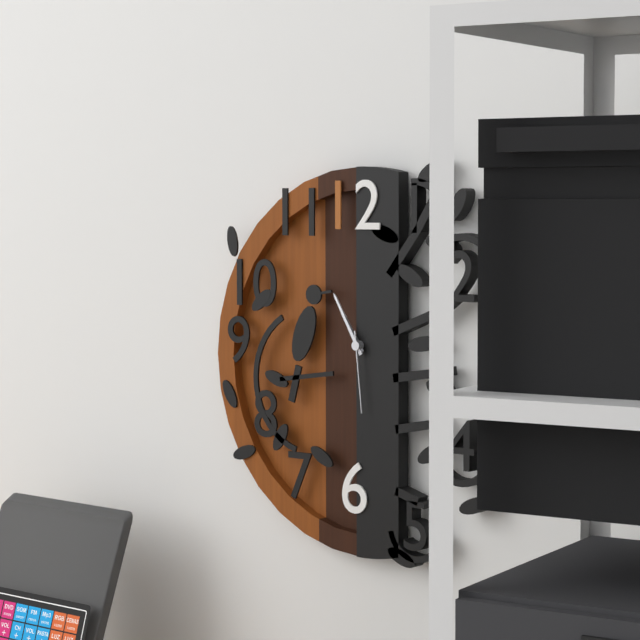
10:55:29
